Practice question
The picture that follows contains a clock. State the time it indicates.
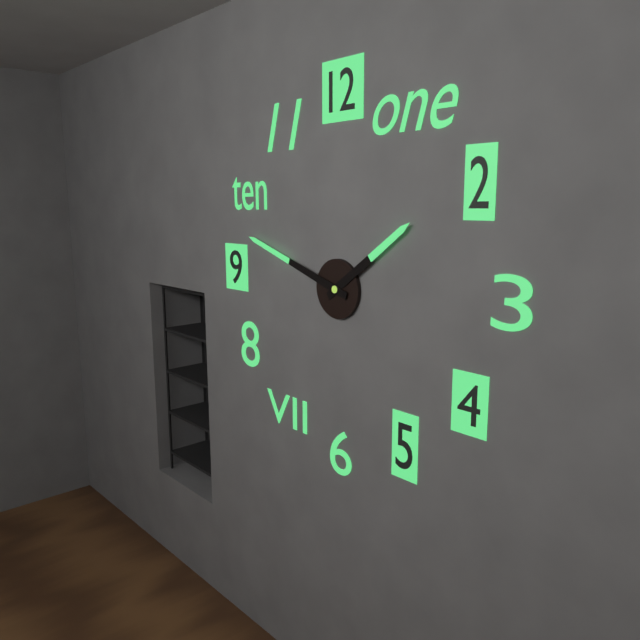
1:48
